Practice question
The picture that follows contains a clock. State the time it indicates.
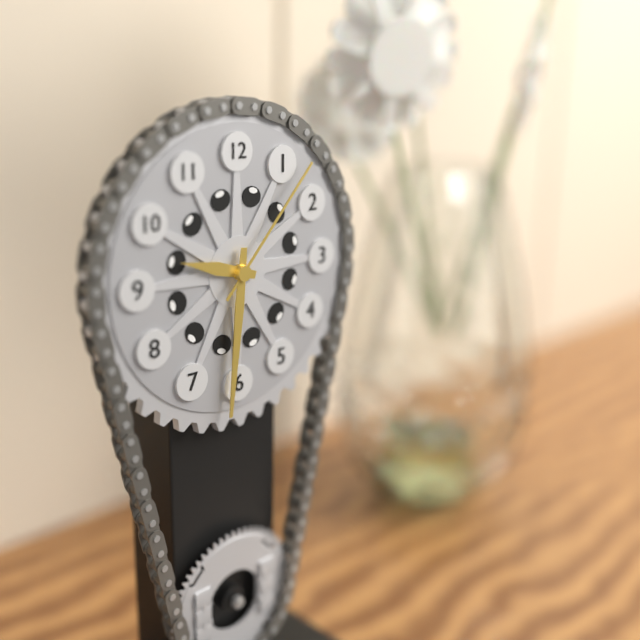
9:31:07
